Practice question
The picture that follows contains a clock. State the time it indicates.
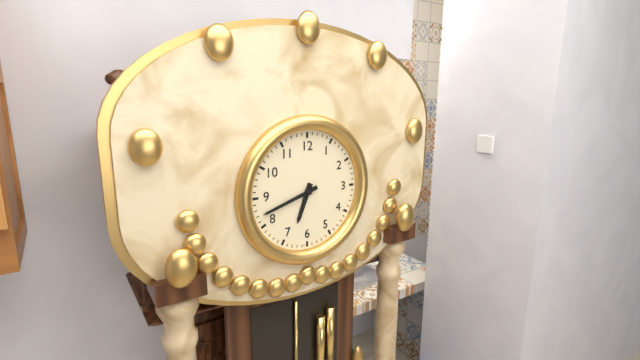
6:42
